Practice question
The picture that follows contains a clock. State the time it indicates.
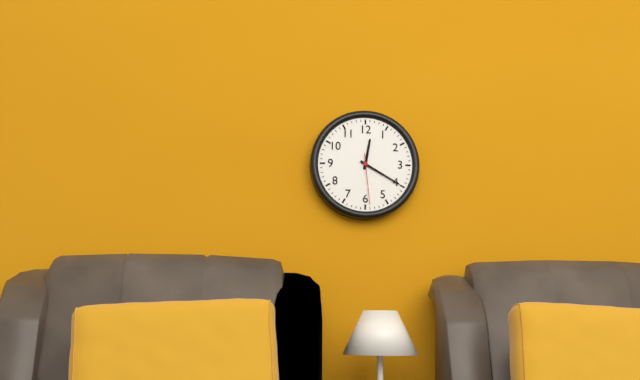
12:20:29
